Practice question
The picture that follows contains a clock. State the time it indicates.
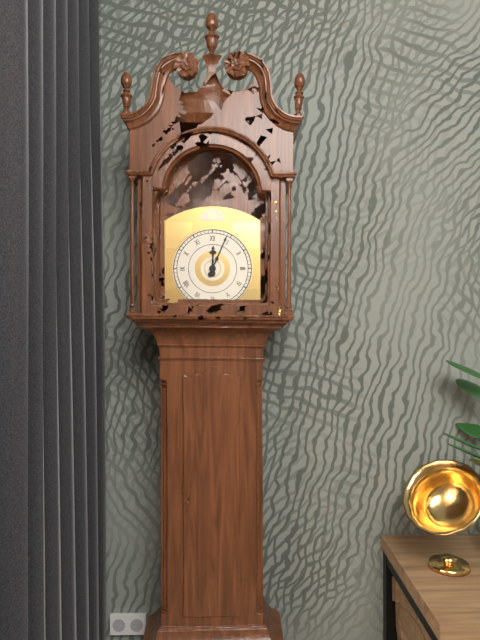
12:04
